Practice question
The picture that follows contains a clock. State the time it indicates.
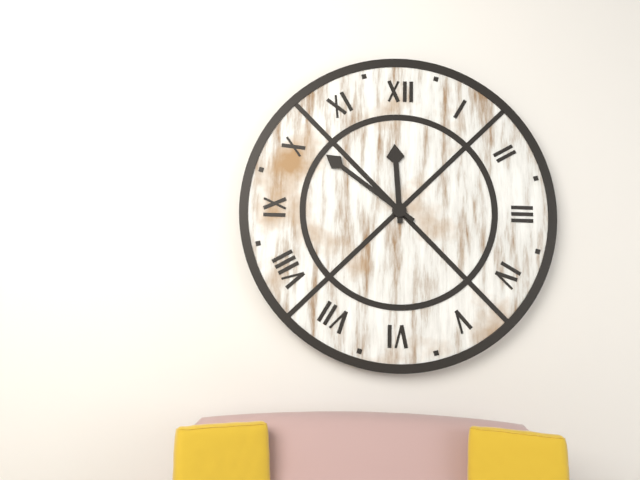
11:51
